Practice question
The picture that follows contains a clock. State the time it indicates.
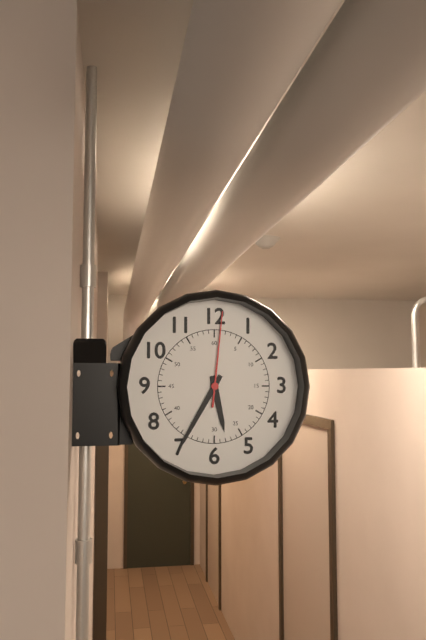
5:35:01
